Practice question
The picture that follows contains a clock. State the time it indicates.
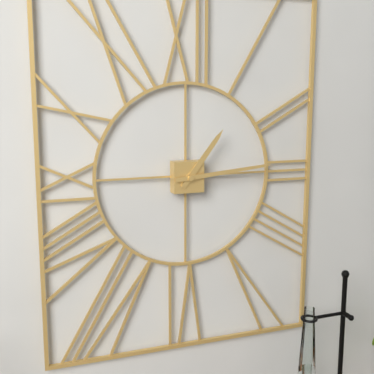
1:14
